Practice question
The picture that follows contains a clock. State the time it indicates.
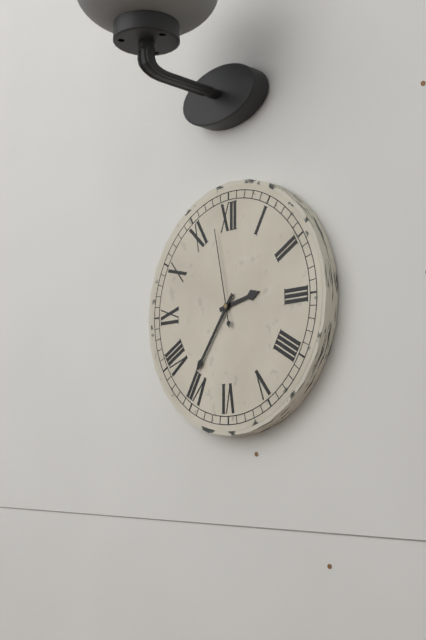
2:36:58
